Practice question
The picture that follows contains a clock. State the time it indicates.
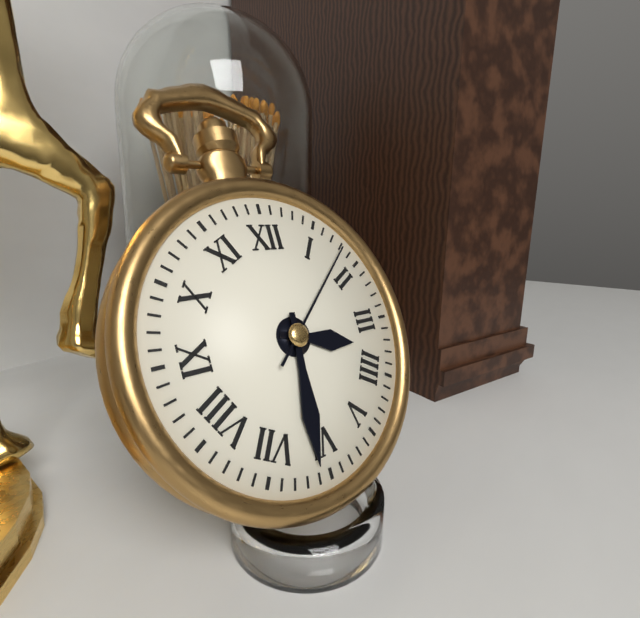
3:31:08
